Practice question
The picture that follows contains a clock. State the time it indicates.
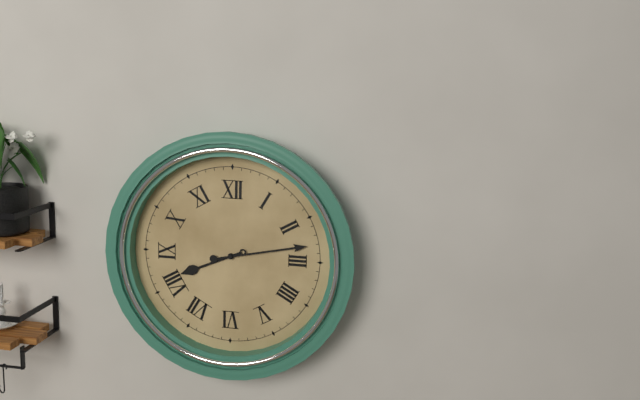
8:13
